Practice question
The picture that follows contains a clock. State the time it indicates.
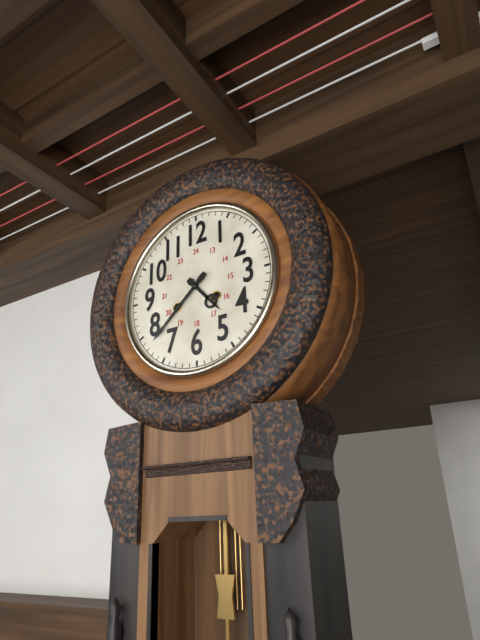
4:38
